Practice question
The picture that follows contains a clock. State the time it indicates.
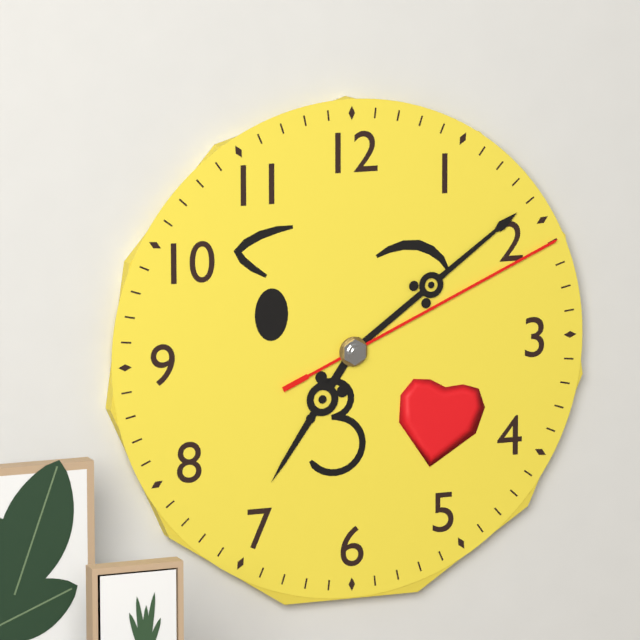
7:09:11
